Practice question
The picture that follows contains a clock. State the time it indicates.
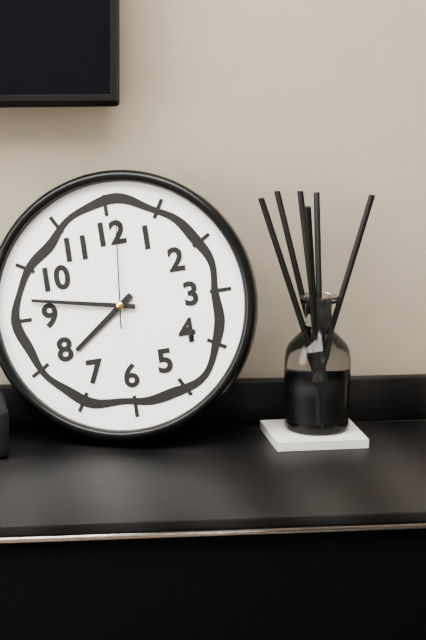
7:47:01
